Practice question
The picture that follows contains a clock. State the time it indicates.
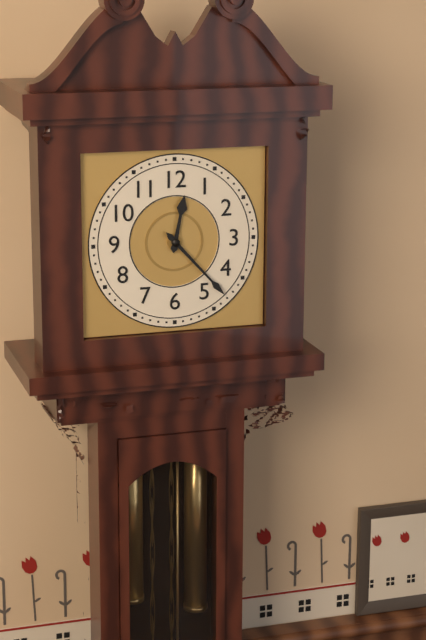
12:23
